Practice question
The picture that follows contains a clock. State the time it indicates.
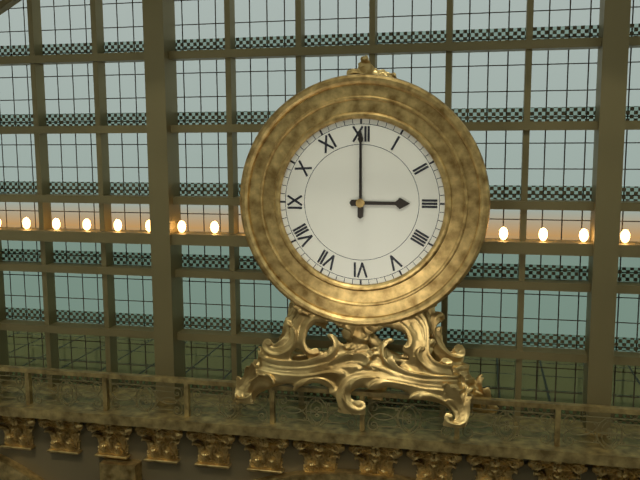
3:00
